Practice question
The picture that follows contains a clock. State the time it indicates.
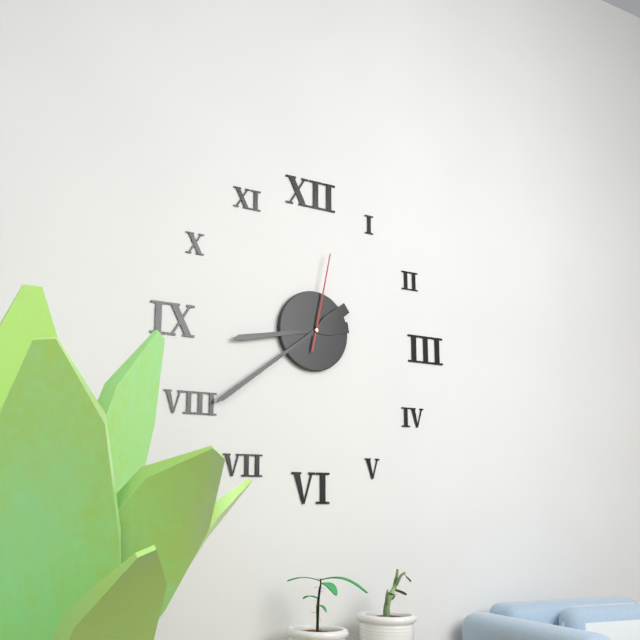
8:39:02
